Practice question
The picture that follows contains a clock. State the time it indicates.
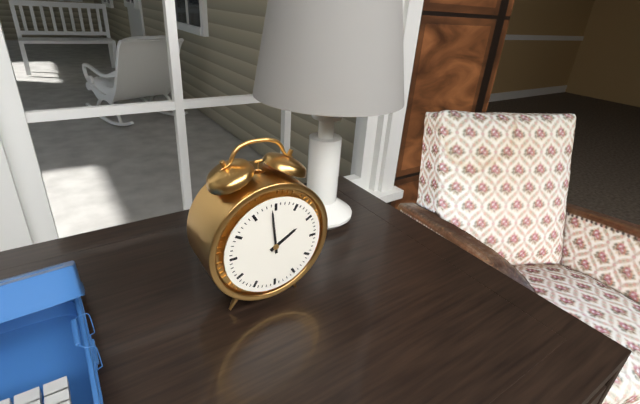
1:59
